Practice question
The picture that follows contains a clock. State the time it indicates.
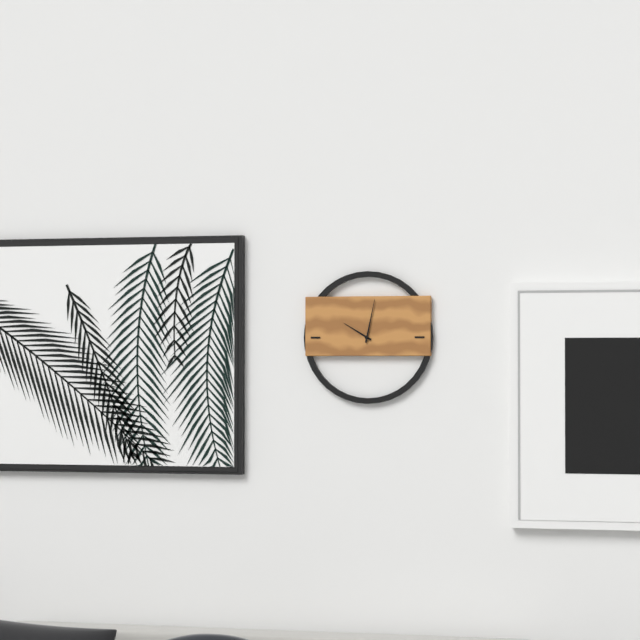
10:02
